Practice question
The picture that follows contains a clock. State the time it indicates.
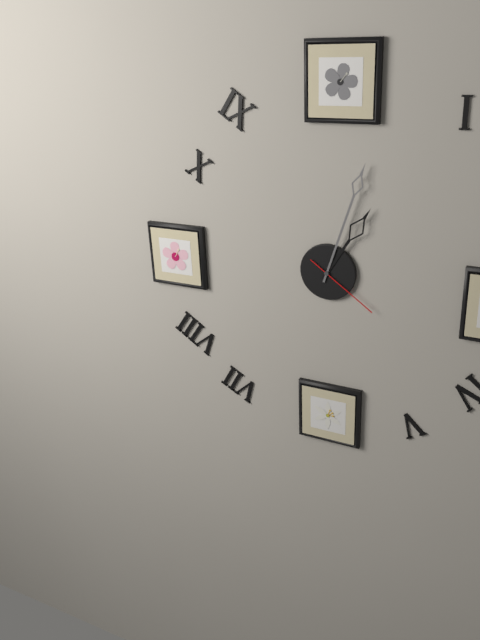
1:03:21
